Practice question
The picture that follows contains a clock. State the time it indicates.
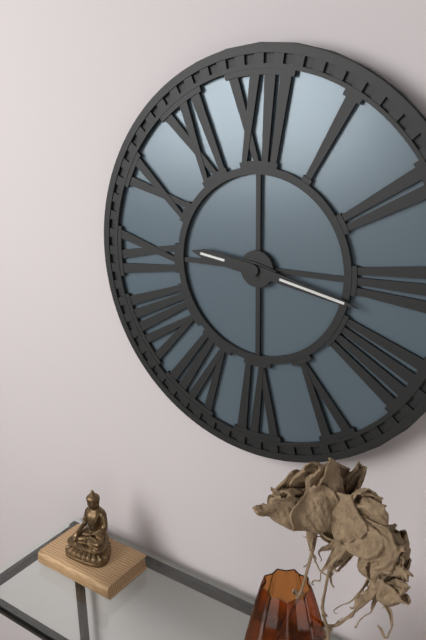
9:17
